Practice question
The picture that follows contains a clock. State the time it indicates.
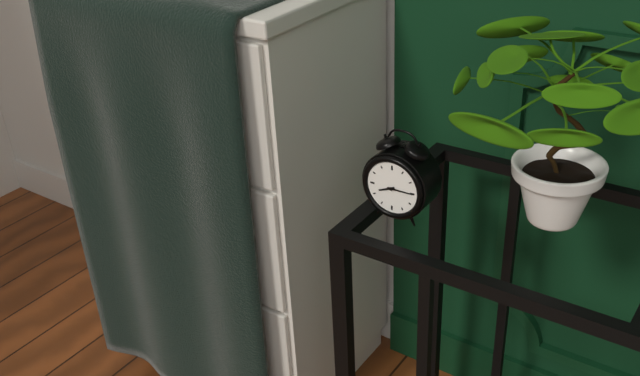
8:15
